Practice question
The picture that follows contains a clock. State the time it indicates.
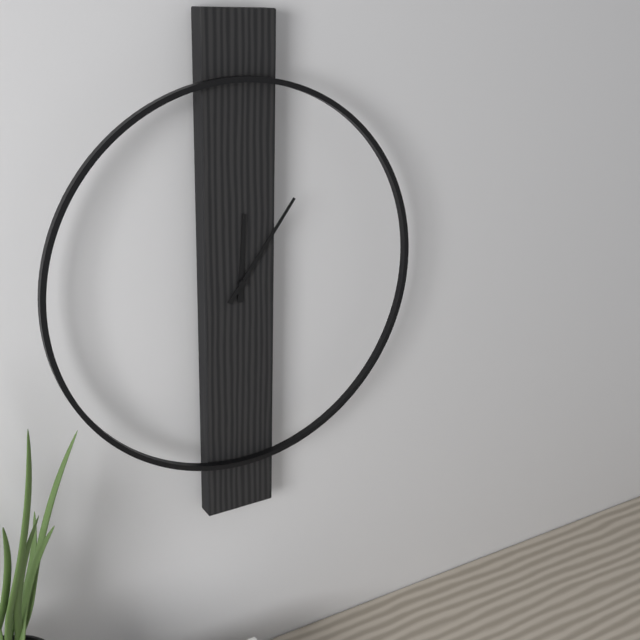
12:06
